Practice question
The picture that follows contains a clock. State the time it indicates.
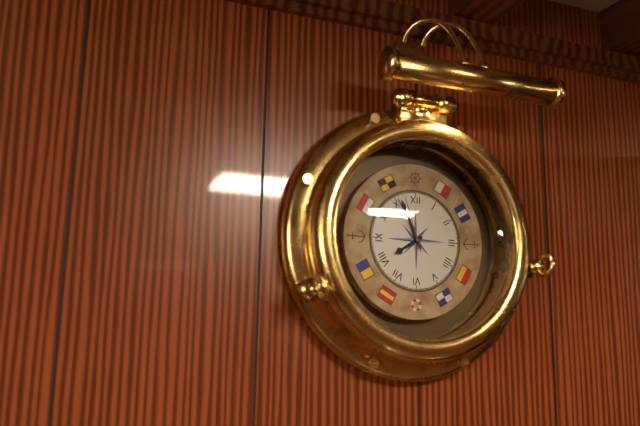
7:56:57
